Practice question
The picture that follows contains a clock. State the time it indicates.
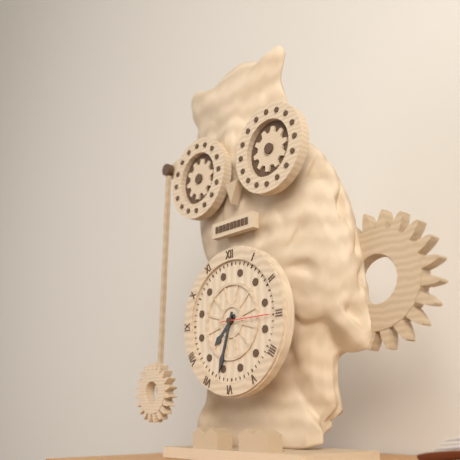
7:33
